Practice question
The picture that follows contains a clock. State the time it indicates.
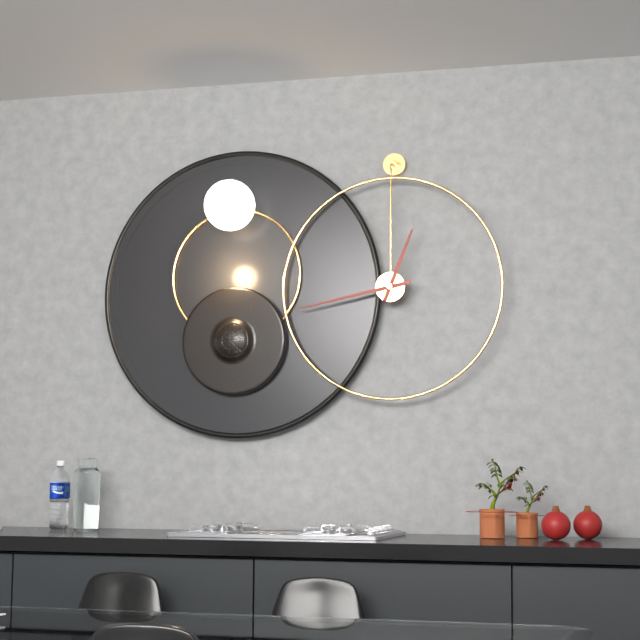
12:43
